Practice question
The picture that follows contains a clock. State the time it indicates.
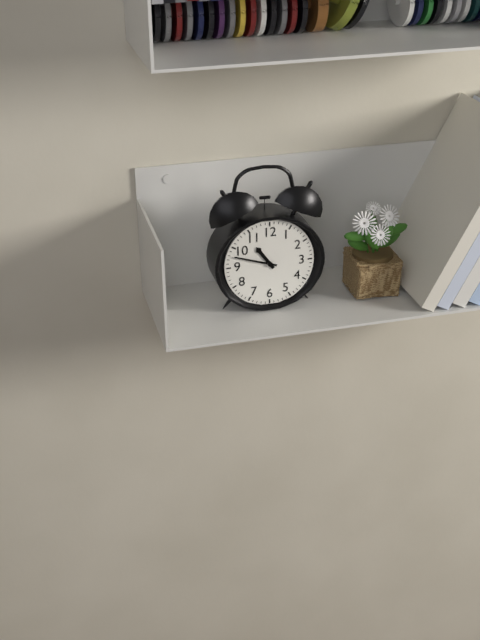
10:48
